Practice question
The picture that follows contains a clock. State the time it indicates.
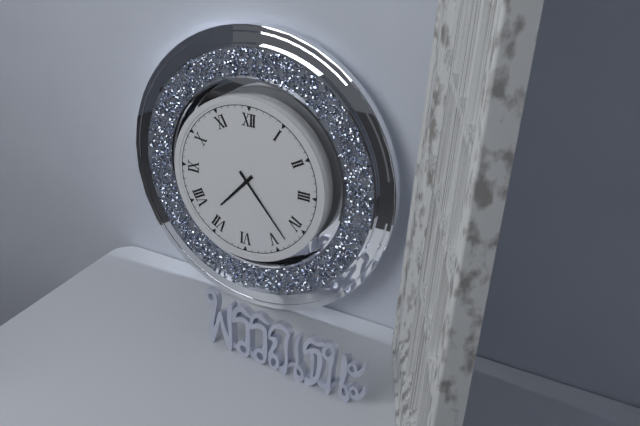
7:23
